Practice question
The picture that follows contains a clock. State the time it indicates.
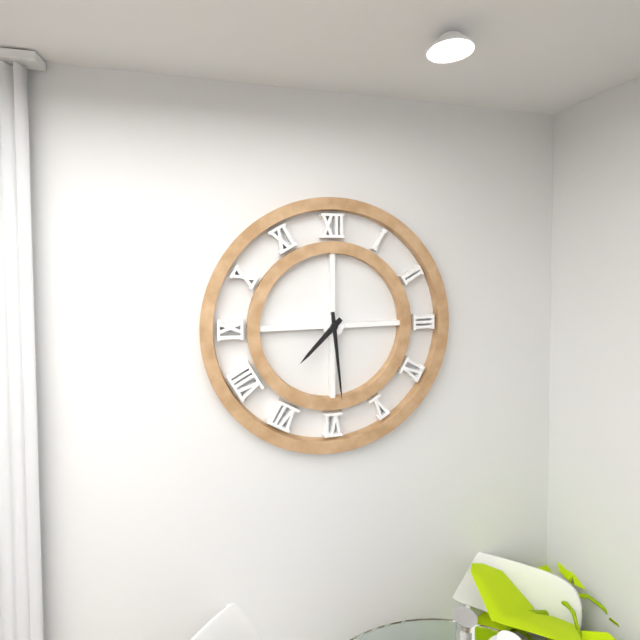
7:29
